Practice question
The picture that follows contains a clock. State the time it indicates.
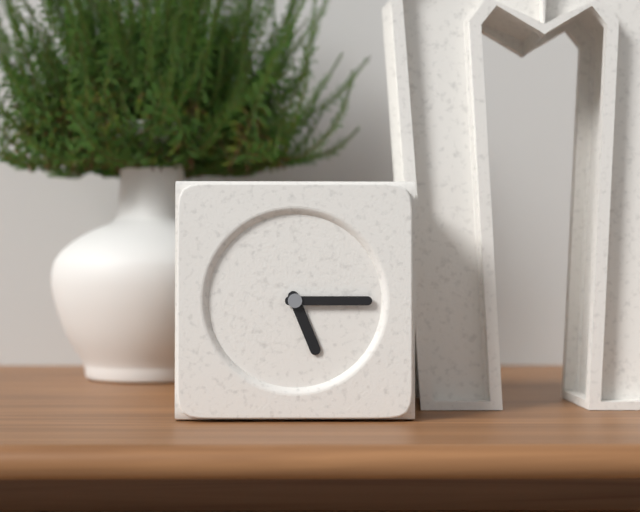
5:15
